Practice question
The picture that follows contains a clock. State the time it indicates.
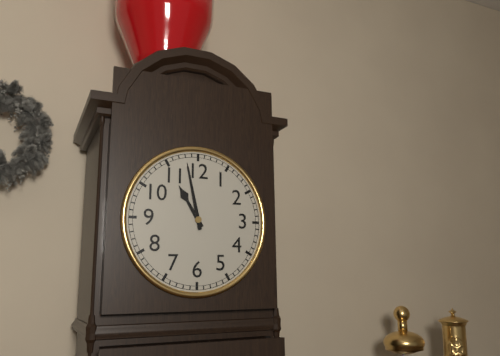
10:58
